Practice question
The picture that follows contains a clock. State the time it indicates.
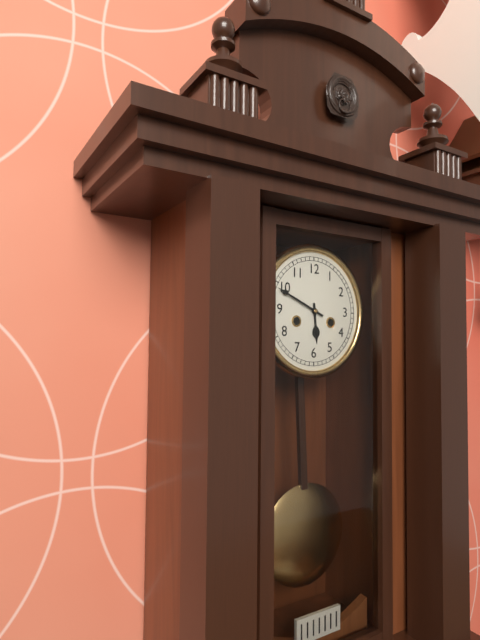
5:49
